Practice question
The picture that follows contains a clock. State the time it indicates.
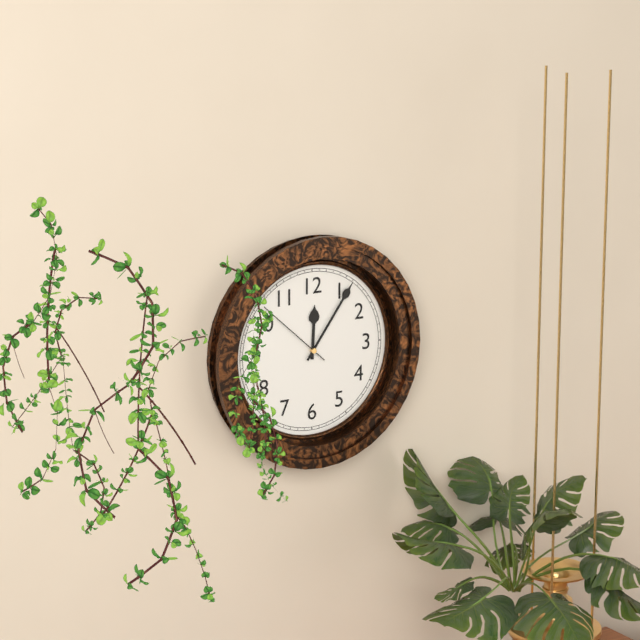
12:06:52
